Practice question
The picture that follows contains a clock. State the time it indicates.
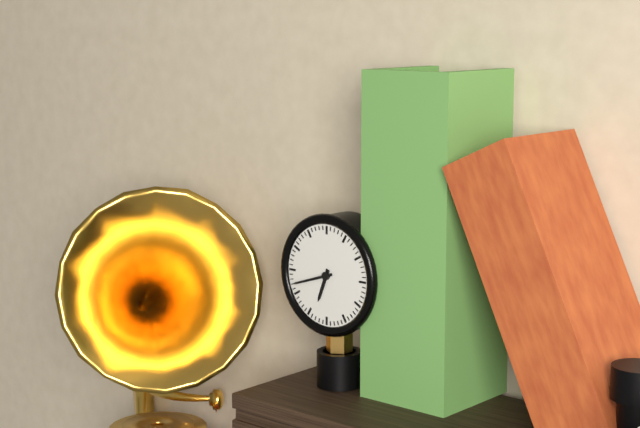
6:42
